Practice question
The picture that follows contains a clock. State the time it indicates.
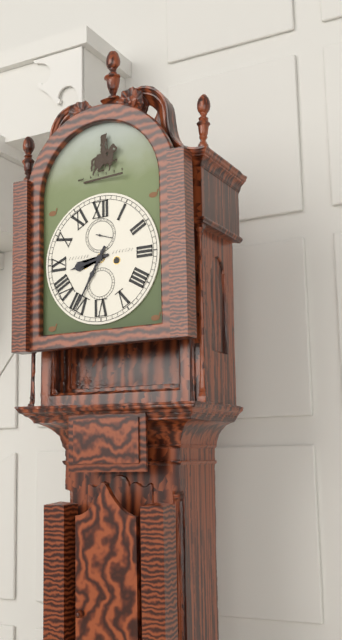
8:35
